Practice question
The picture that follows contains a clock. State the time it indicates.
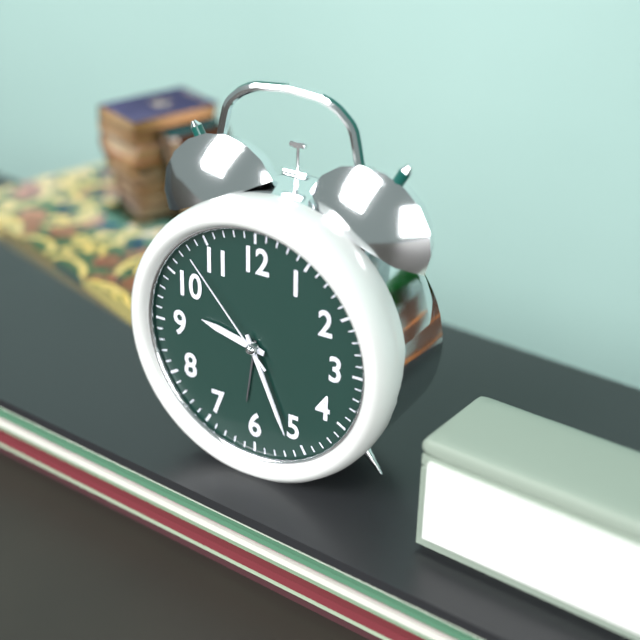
9:26:53
